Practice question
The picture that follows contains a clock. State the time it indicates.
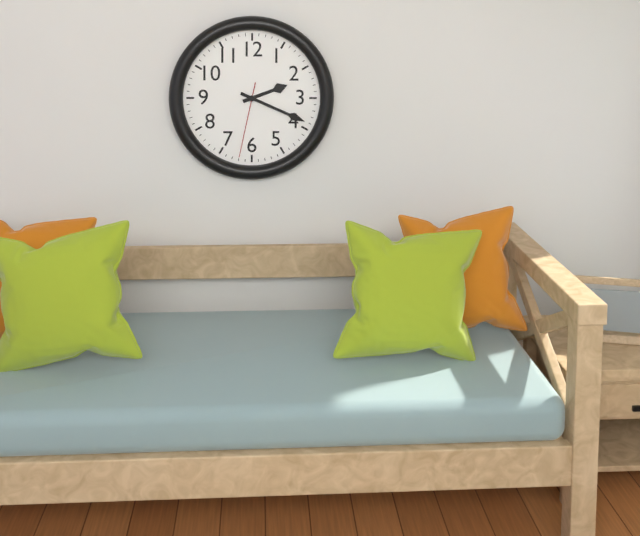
2:19:32
